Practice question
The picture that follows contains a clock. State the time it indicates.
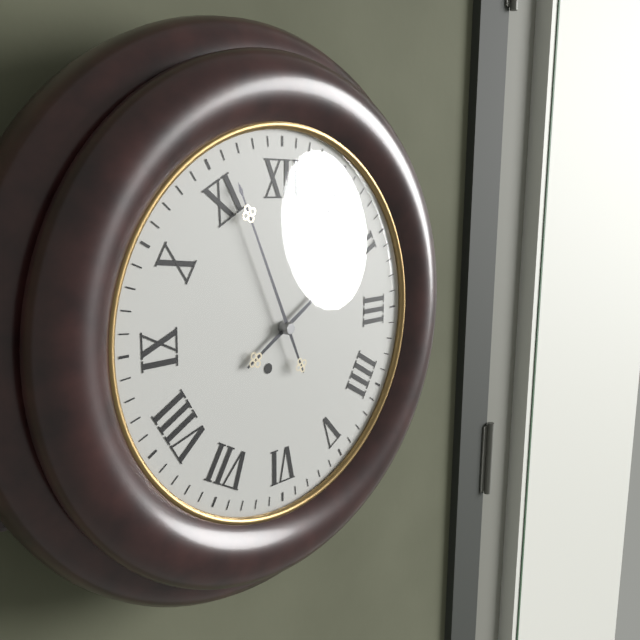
1:56
